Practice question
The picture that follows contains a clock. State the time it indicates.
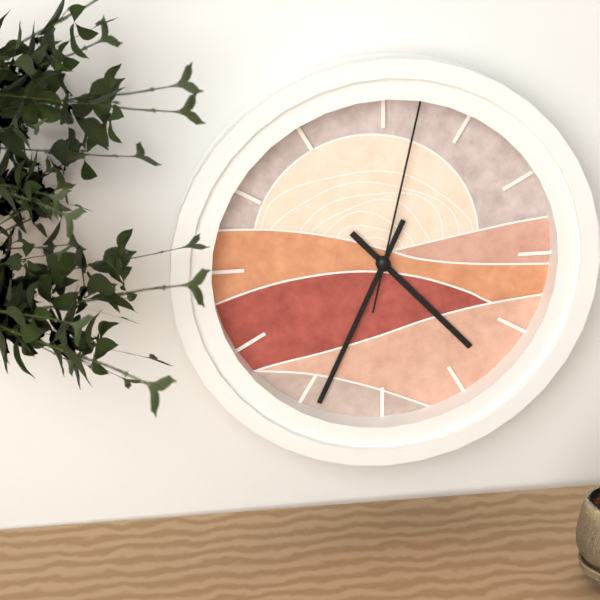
4:34:02
